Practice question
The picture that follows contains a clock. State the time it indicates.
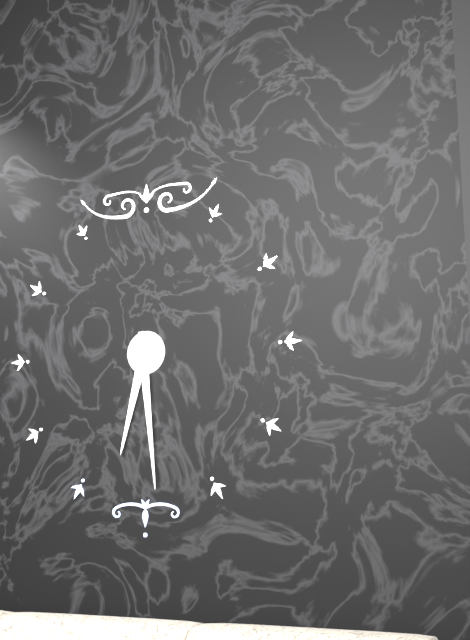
6:29
